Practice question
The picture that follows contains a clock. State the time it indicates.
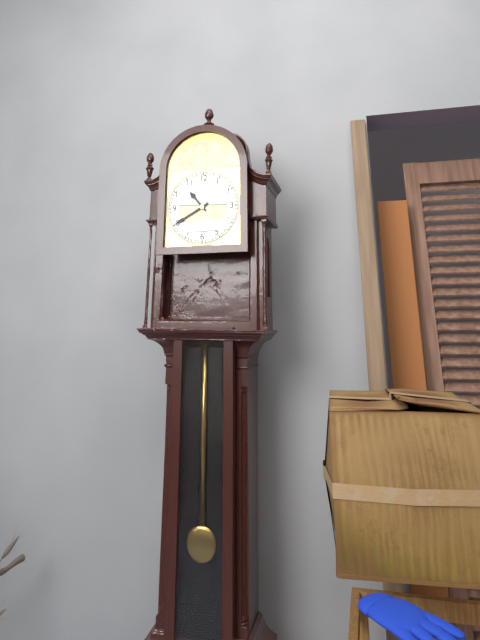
10:40
